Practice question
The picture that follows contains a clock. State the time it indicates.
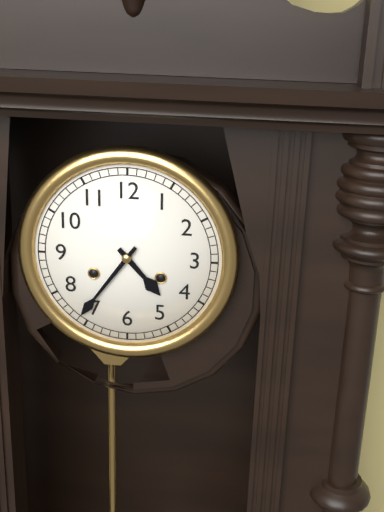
4:36
